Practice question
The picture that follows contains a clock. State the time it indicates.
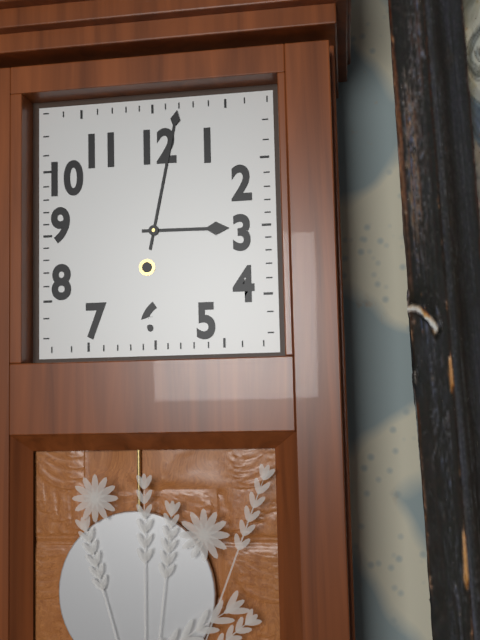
3:02
